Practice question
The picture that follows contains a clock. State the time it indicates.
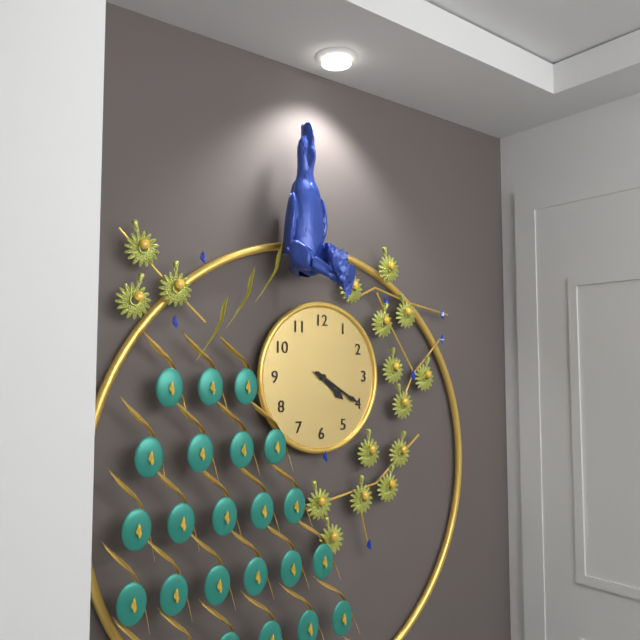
4:20
